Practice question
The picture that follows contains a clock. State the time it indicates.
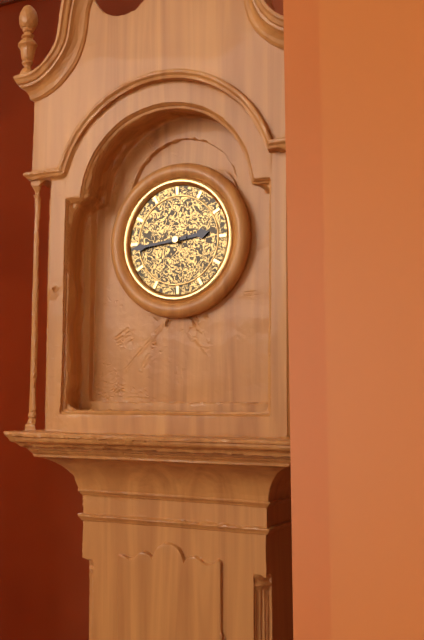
2:44
